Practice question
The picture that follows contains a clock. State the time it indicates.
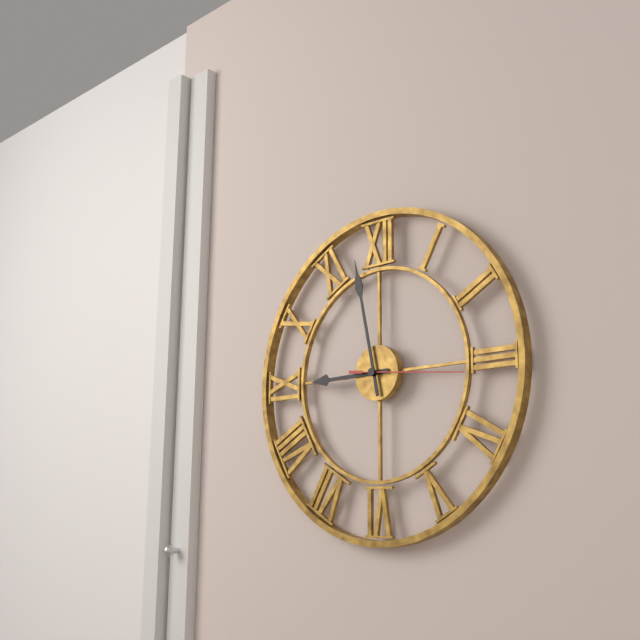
8:58:16
